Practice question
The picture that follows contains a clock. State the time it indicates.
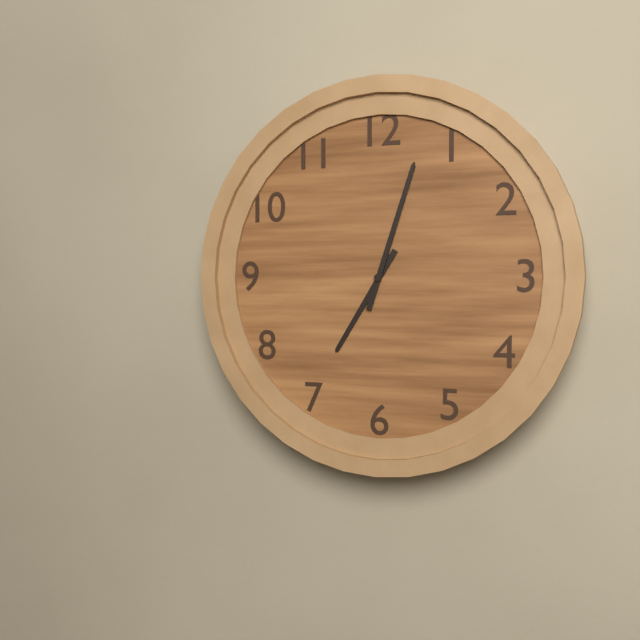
7:03
